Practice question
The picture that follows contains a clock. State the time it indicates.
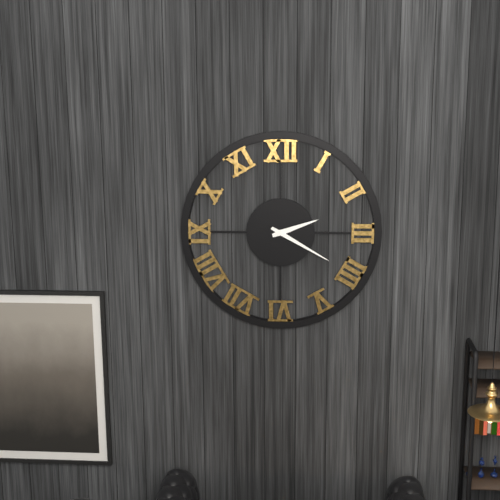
2:20
